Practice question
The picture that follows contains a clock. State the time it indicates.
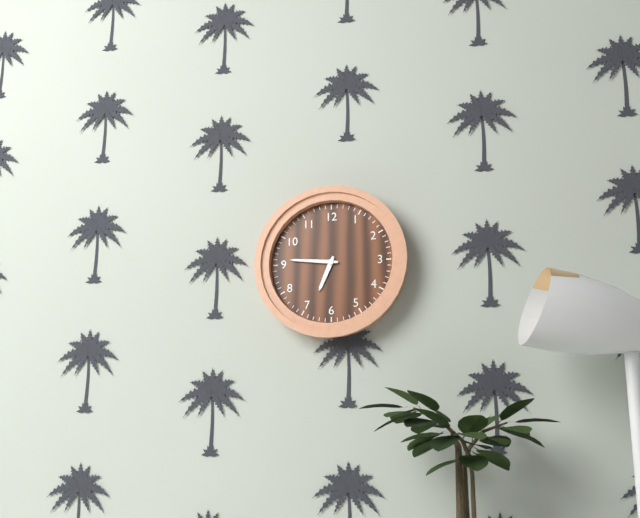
6:46
